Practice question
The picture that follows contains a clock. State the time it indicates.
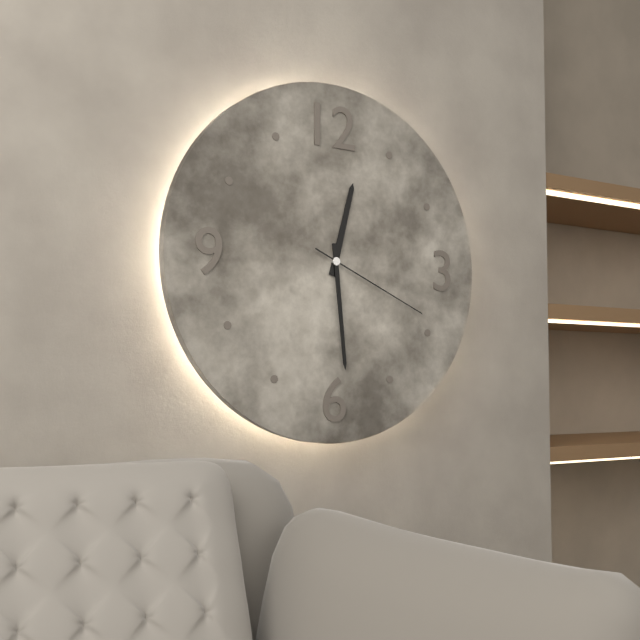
12:29:19
